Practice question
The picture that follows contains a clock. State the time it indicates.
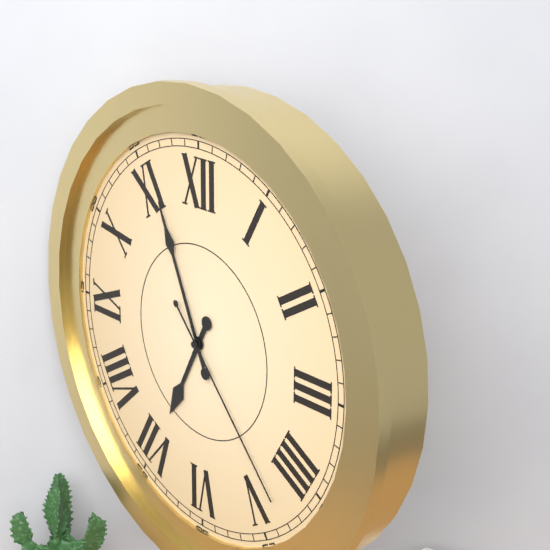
6:56:23
